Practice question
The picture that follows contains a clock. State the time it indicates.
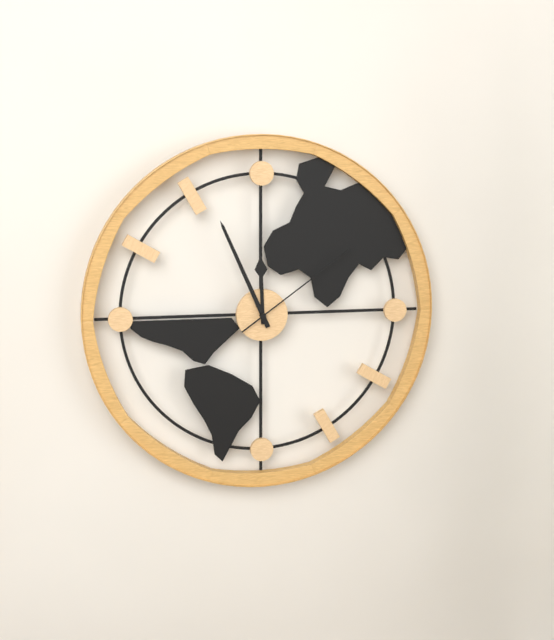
11:56:09
